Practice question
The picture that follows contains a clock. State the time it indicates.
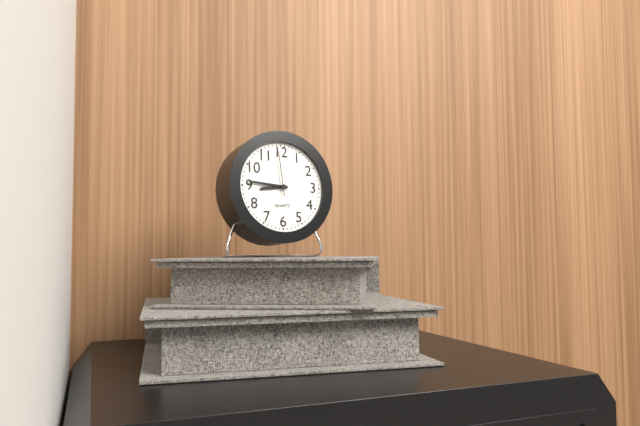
8:46
